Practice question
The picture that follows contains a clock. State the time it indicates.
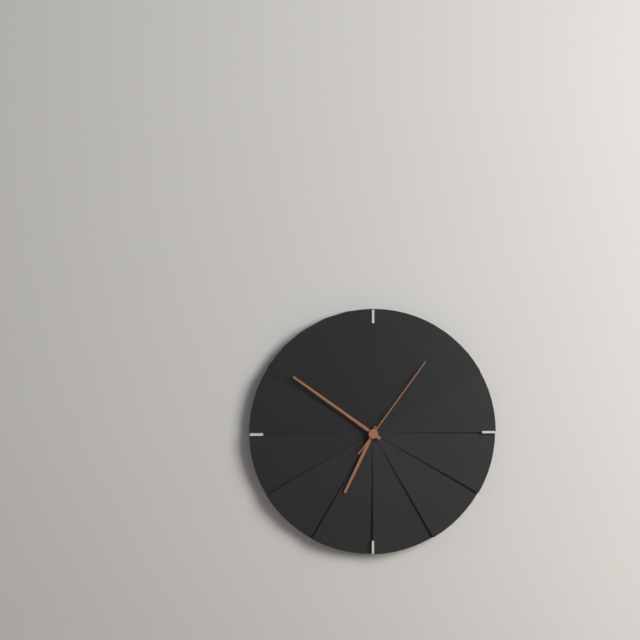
6:51:06
